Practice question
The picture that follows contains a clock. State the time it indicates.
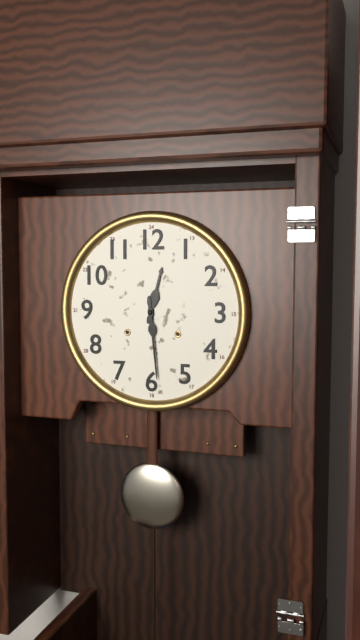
12:29
